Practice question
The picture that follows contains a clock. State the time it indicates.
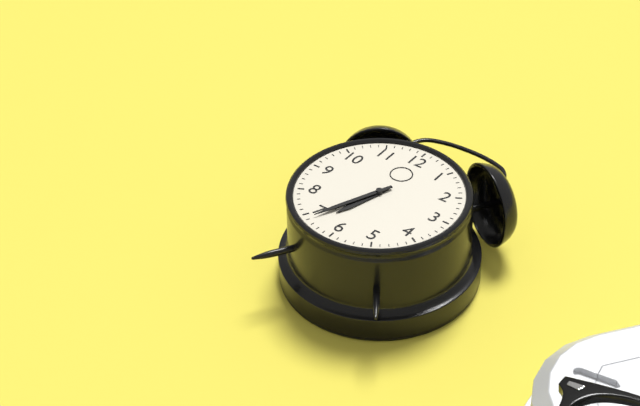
6:34
